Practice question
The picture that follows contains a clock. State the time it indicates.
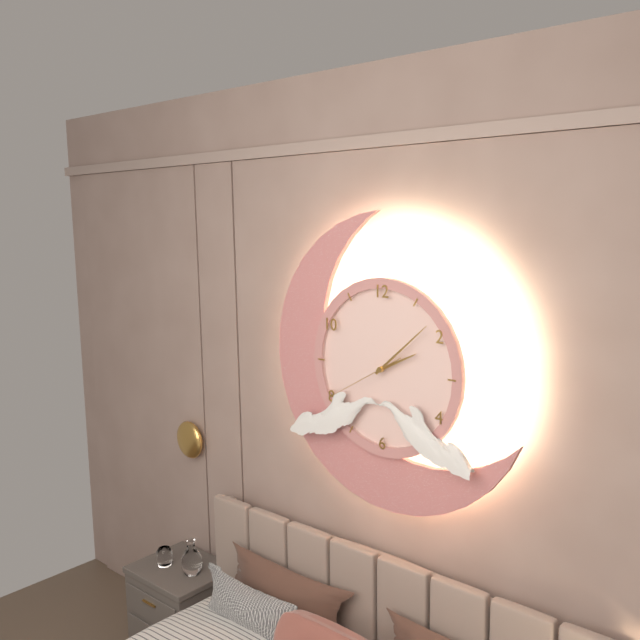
2:08:40
